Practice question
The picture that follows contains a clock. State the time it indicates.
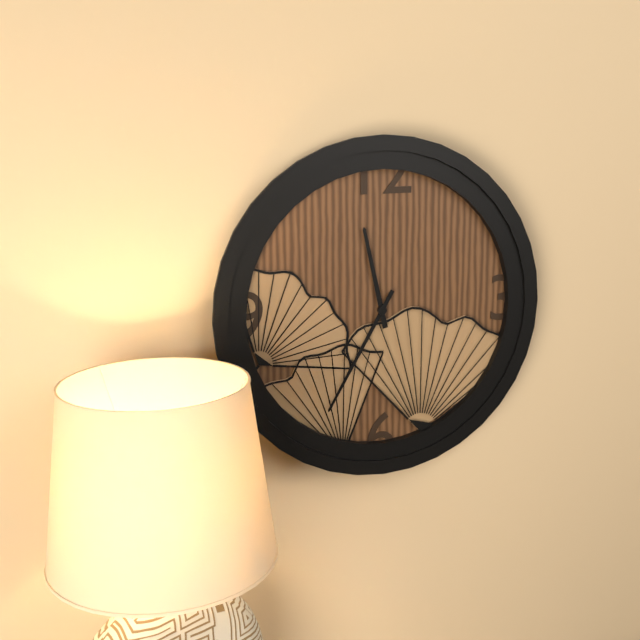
11:35
